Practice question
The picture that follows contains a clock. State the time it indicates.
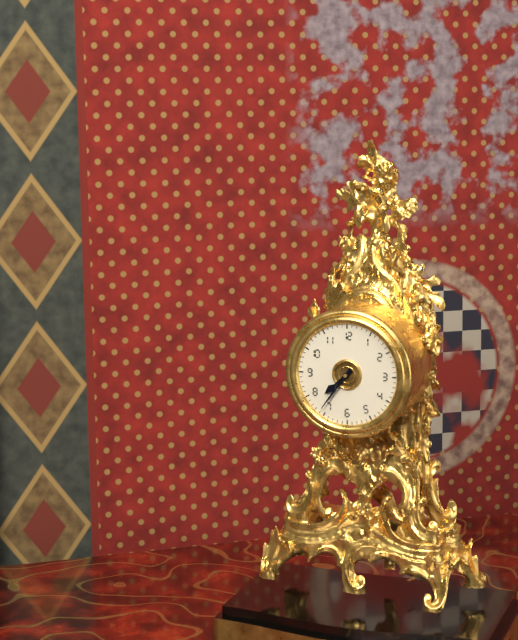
7:36
